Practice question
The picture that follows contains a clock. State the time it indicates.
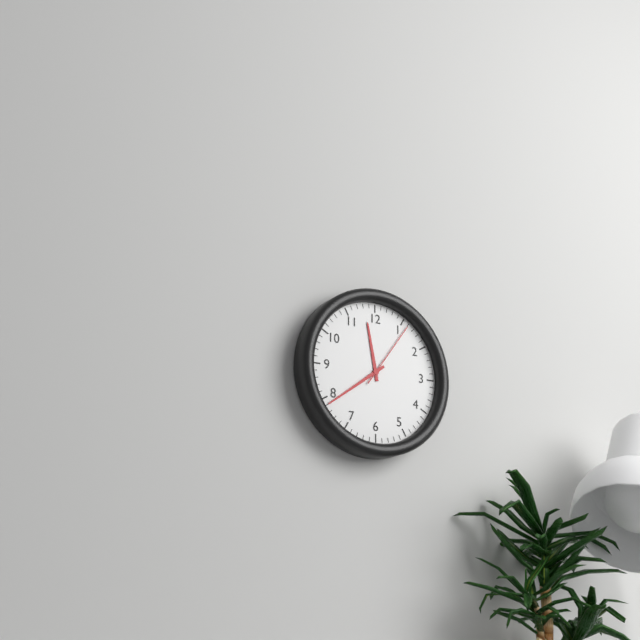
11:39:06
